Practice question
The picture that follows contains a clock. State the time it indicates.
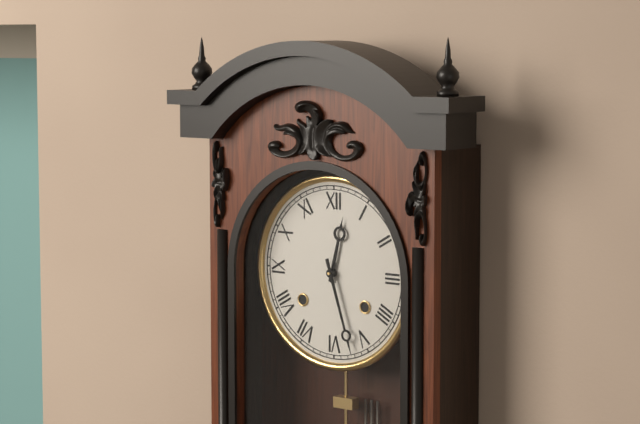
12:27
